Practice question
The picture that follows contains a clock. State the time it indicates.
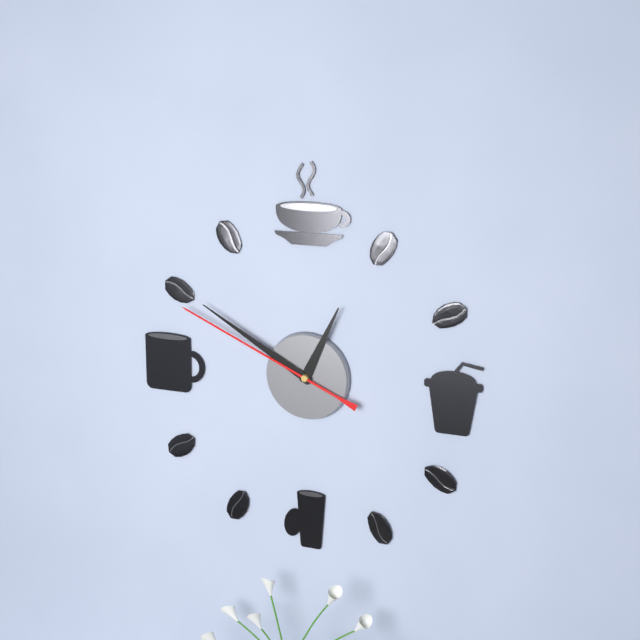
12:50:49
